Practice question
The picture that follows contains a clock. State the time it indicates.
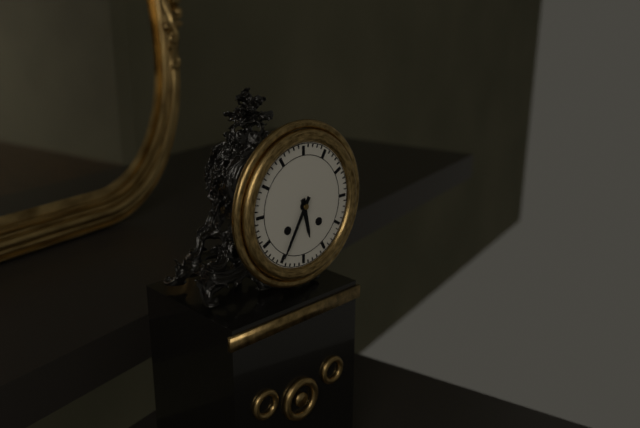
5:35
